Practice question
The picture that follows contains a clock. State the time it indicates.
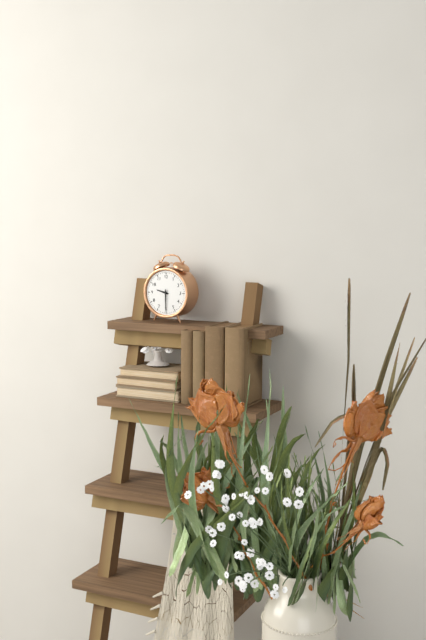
9:30
